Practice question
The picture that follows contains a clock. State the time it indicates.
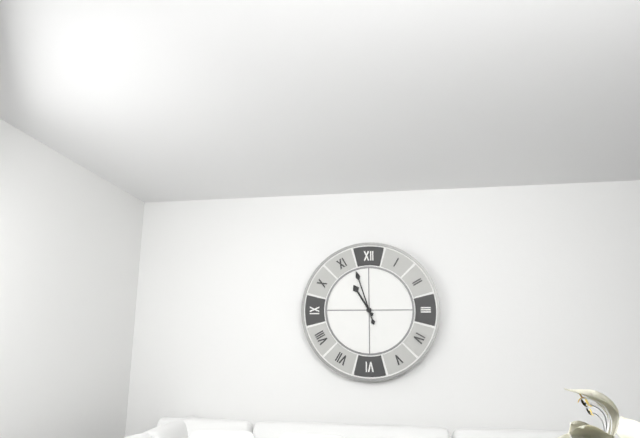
10:57
